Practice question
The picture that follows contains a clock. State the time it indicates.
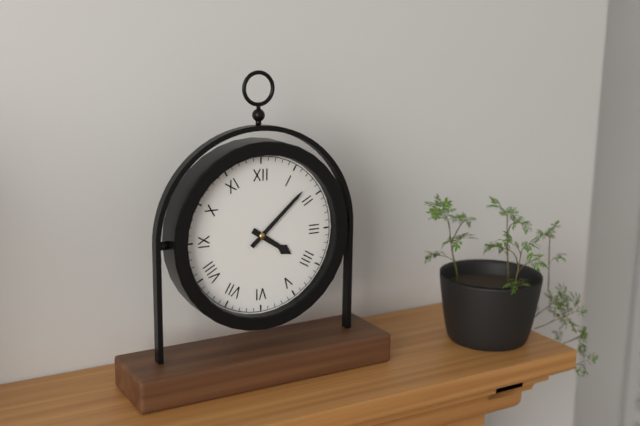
4:08
